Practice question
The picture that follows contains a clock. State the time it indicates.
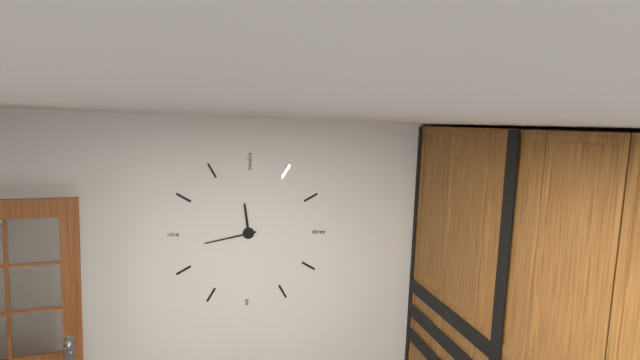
11:43
